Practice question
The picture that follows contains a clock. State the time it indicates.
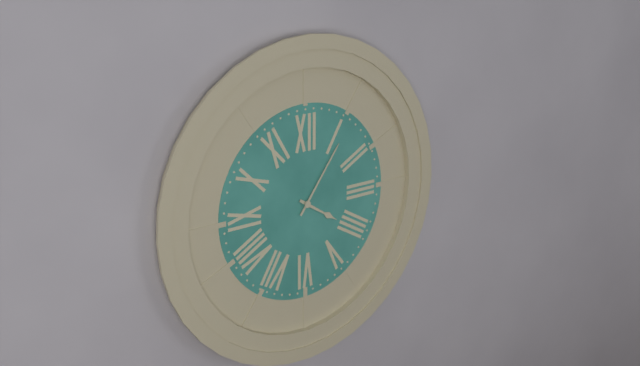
4:06
